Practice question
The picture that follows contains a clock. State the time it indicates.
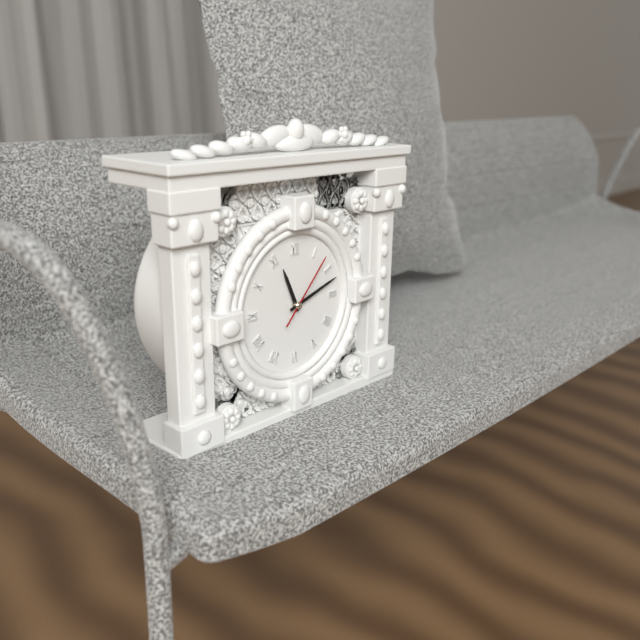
11:12:07
